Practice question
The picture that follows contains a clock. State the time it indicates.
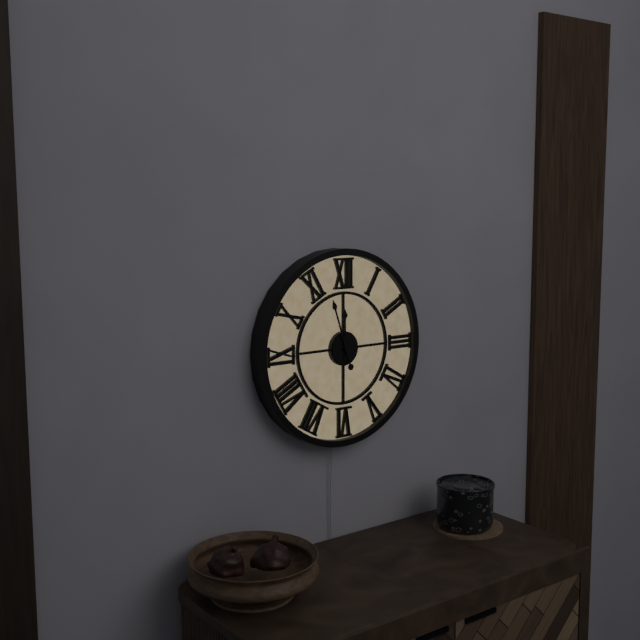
11:57
